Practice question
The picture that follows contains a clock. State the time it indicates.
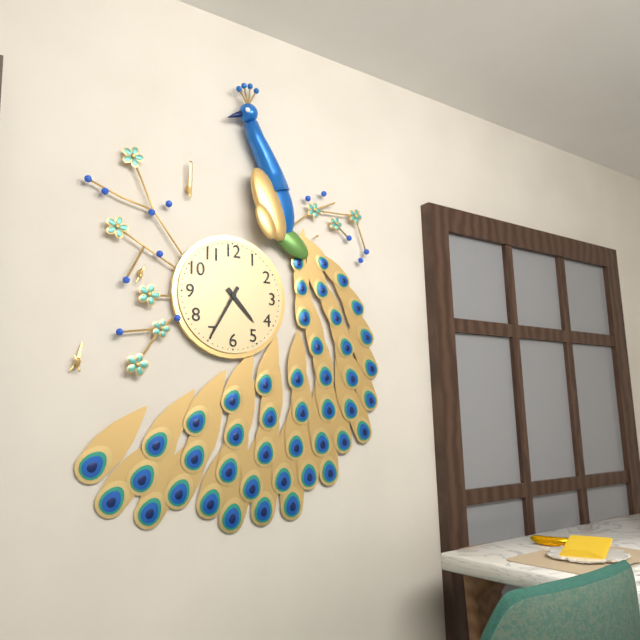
4:35
